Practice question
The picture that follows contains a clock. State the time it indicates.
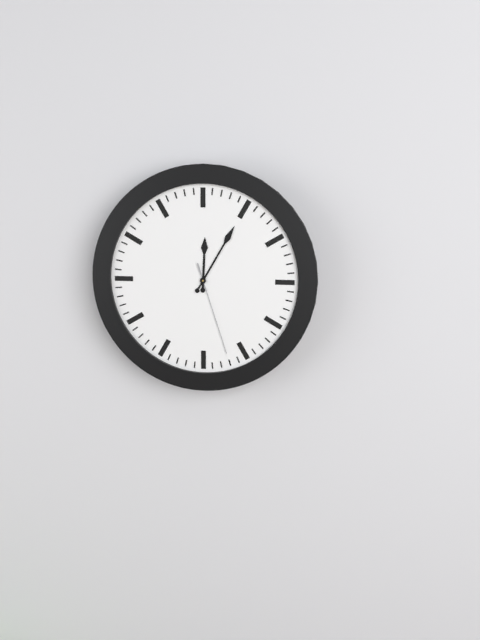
12:05:27
